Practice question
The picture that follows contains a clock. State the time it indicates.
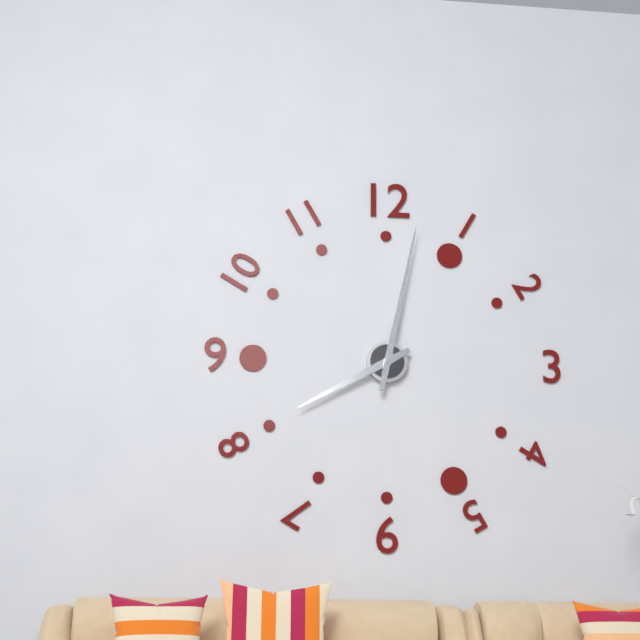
8:02
